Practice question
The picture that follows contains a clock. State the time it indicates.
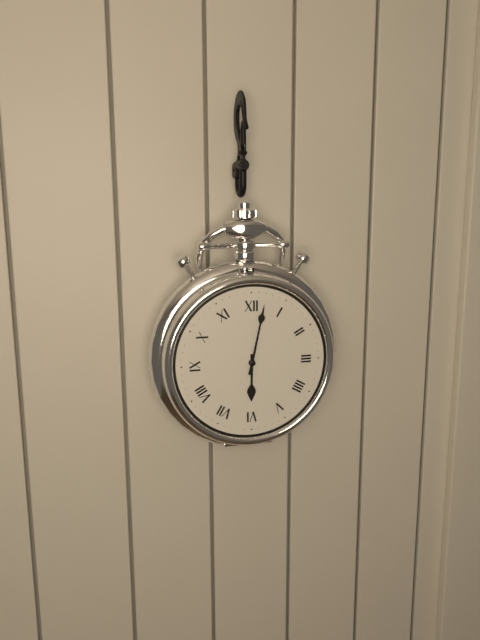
6:02
